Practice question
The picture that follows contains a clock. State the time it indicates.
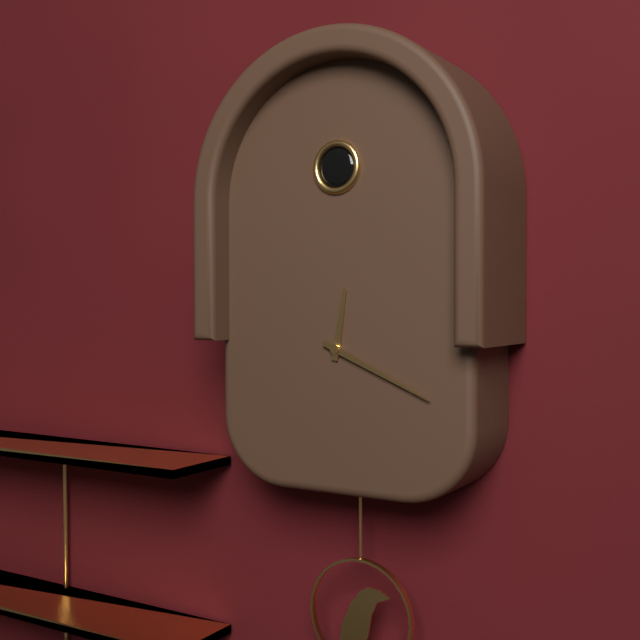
12:19
